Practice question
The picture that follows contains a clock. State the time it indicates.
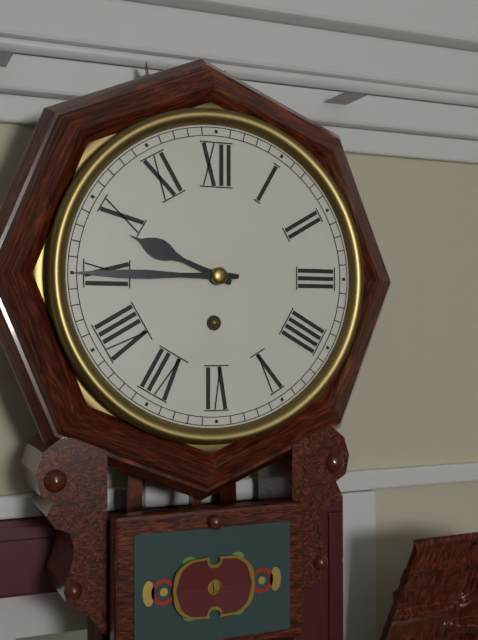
9:45
